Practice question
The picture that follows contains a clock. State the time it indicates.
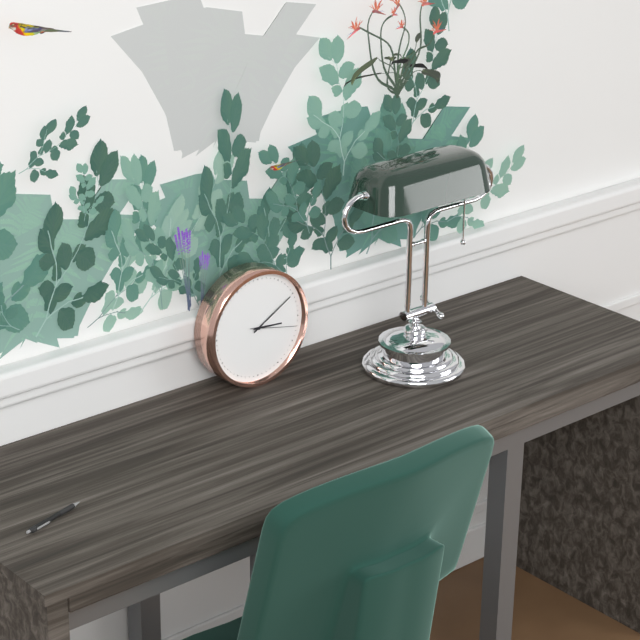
3:10
